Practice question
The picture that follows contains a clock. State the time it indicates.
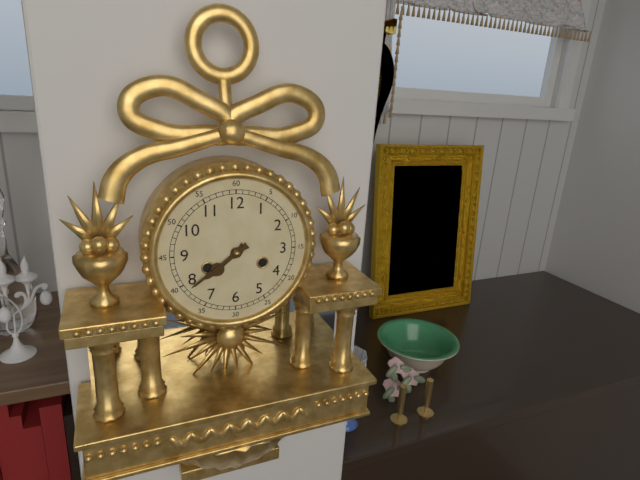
7:39
